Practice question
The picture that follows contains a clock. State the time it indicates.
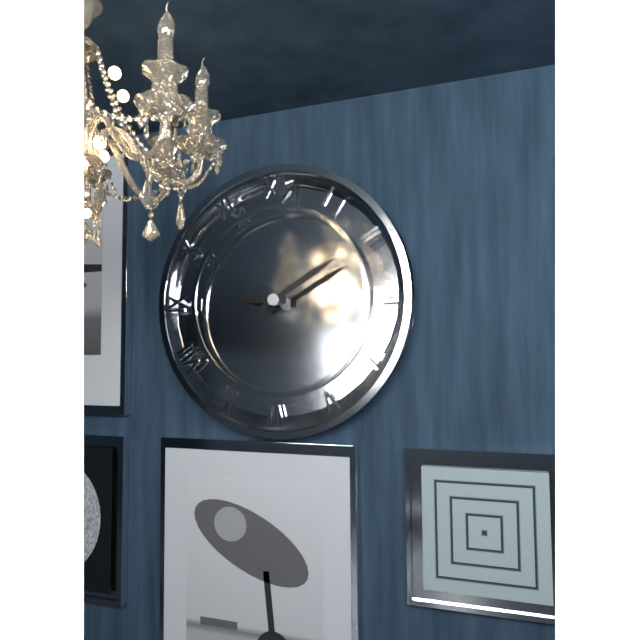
9:10
